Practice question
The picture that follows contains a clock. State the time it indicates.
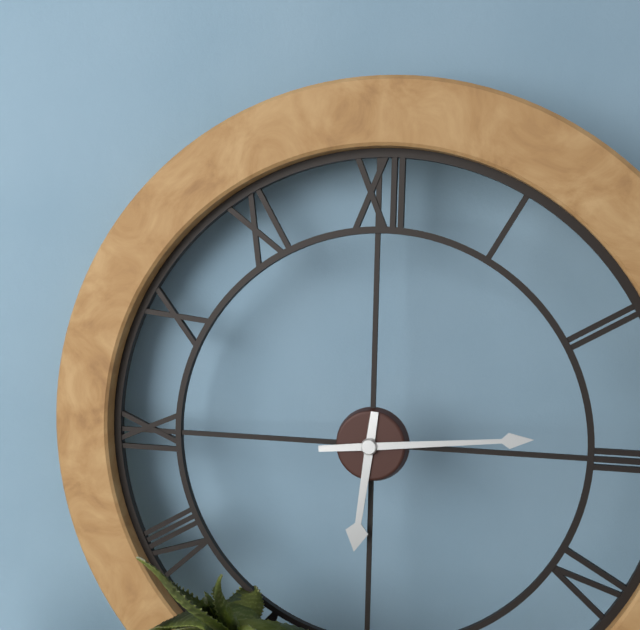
6:14
